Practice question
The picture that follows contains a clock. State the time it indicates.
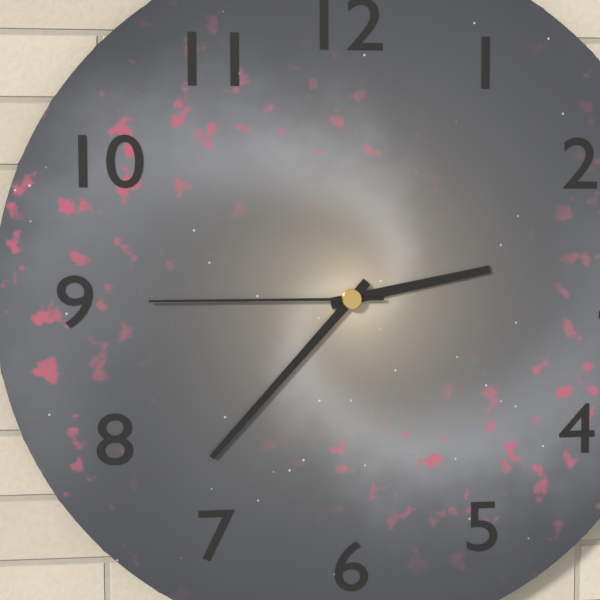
2:37:45
